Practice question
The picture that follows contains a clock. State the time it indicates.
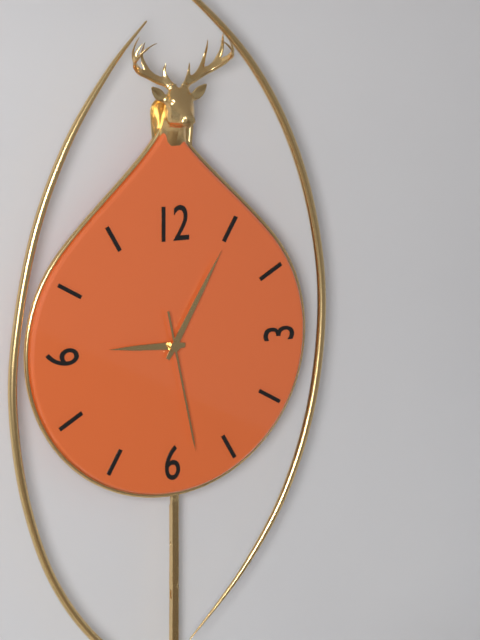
9:05:28
